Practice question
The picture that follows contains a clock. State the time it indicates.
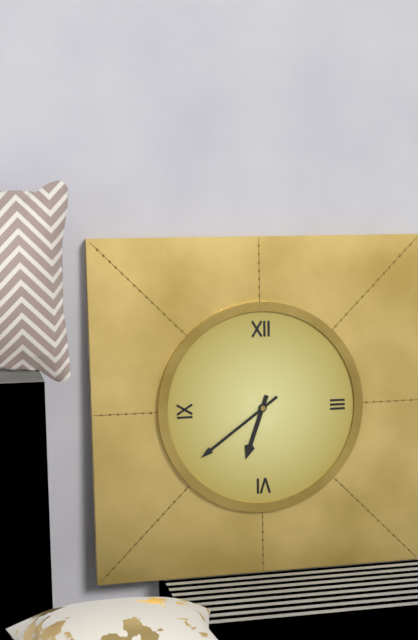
6:39
